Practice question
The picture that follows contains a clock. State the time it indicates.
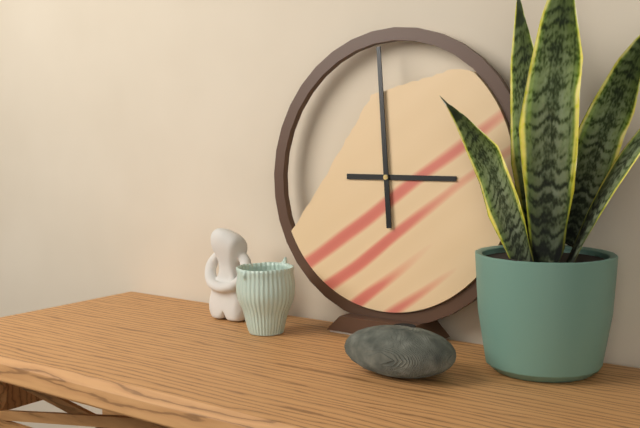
2:59
